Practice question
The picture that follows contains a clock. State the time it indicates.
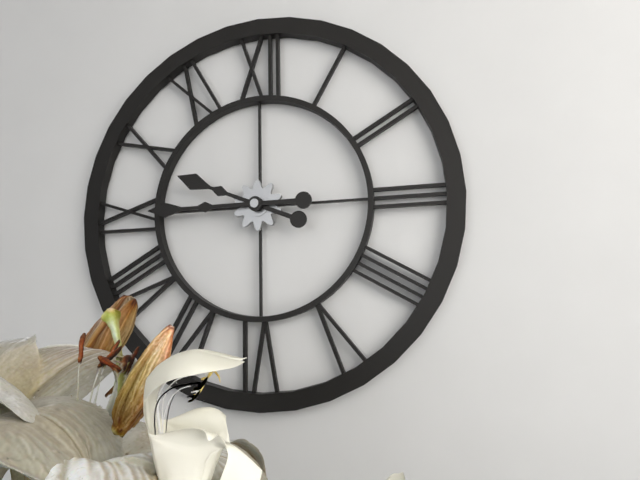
9:45
